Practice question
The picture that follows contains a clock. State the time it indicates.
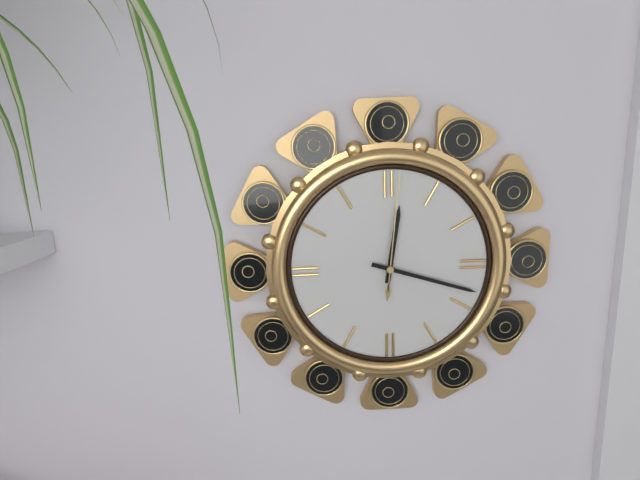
12:18:01
